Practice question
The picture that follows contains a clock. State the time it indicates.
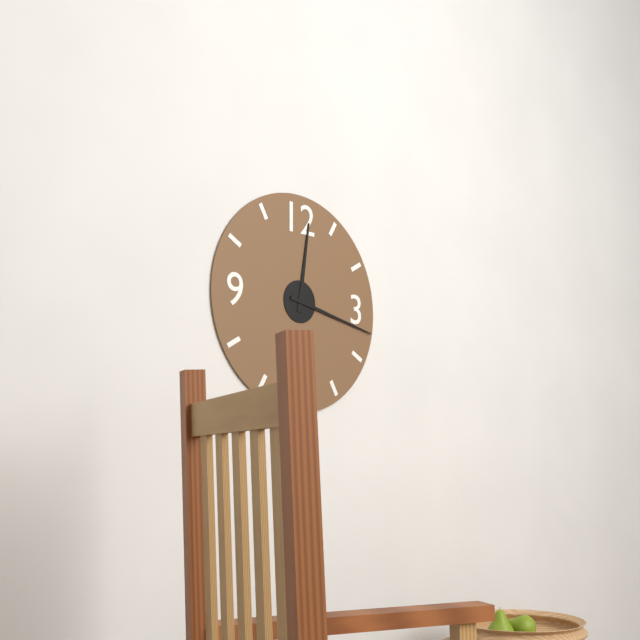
12:17
